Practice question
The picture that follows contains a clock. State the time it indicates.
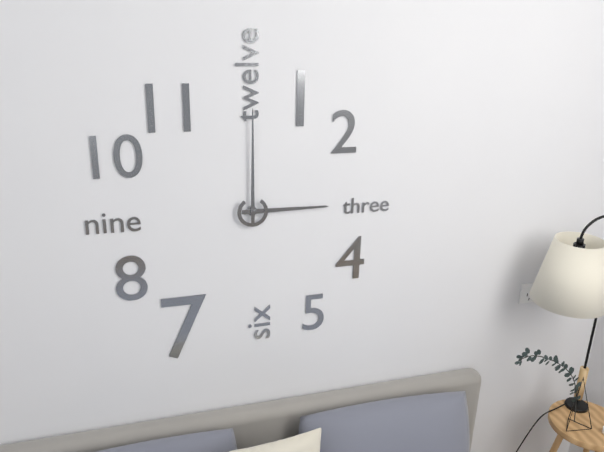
3:00
